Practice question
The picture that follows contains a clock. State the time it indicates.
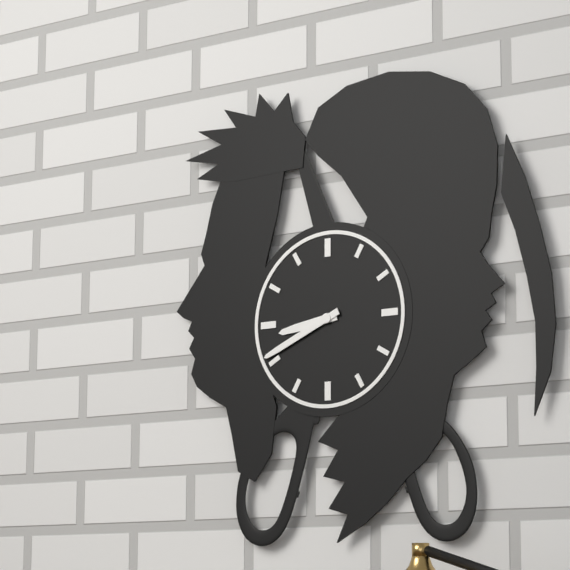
8:41
